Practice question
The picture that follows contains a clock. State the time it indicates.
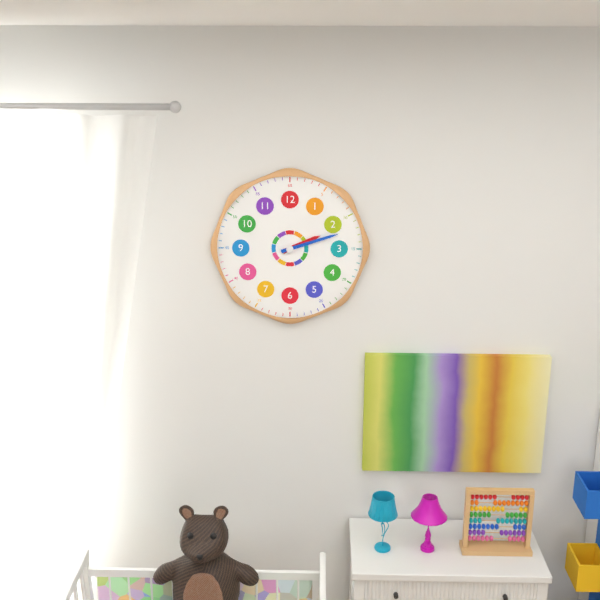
2:12
